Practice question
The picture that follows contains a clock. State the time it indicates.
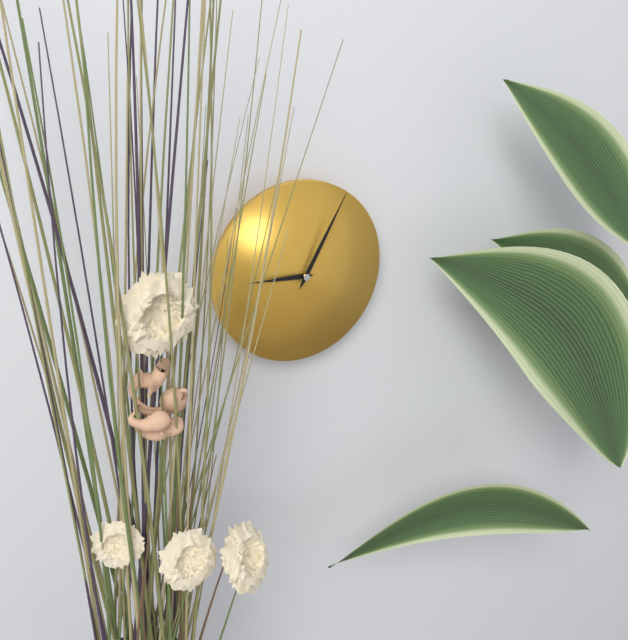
9:05
